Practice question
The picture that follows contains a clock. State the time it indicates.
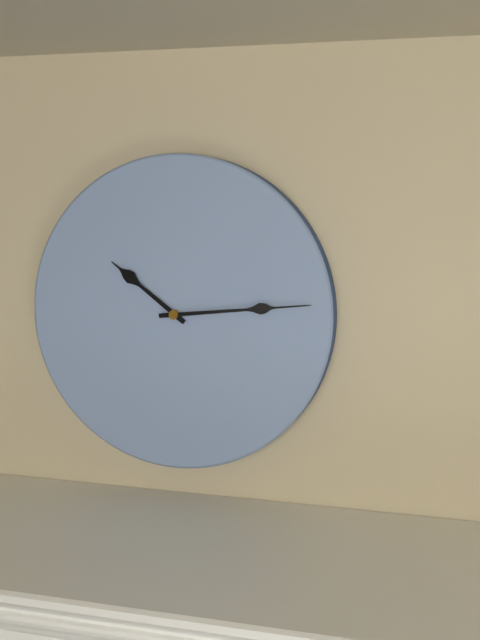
10:14
